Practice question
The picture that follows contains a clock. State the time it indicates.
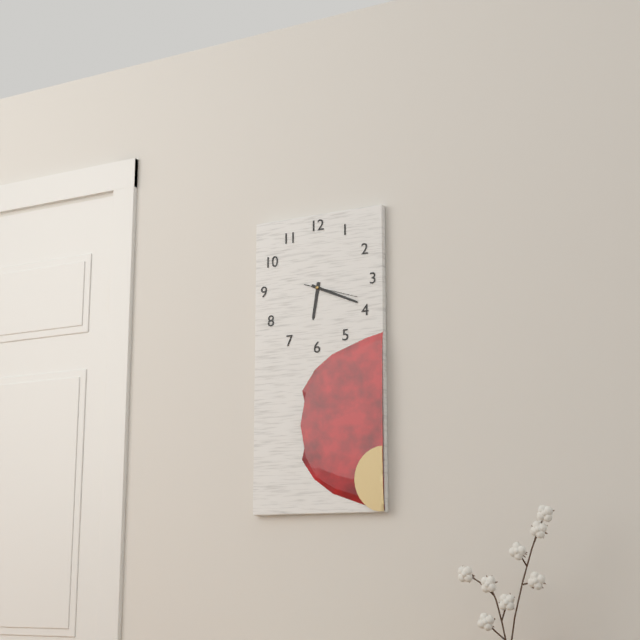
6:19
